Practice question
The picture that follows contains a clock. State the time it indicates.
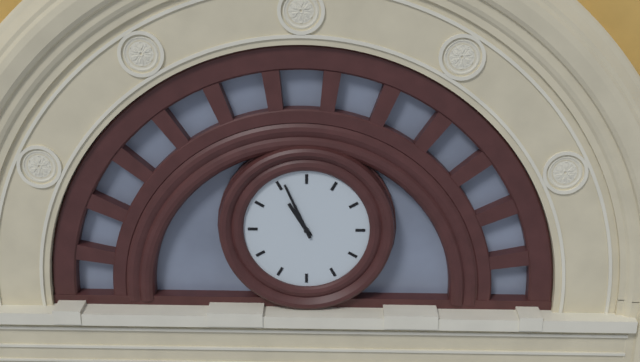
10:56
